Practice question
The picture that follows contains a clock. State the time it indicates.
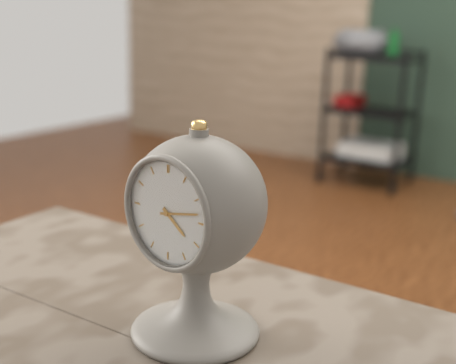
4:13
